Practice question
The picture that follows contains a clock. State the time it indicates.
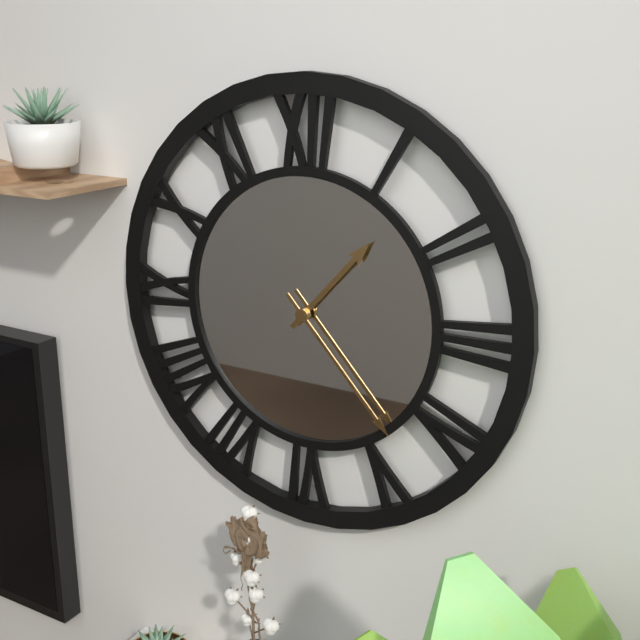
1:23
